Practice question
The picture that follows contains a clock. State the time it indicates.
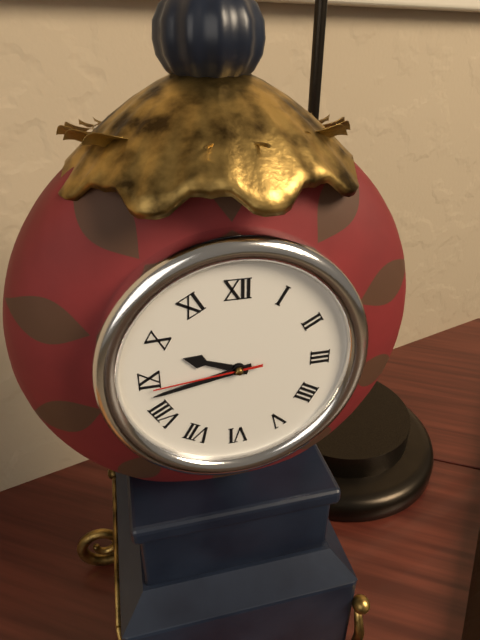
9:43:44
